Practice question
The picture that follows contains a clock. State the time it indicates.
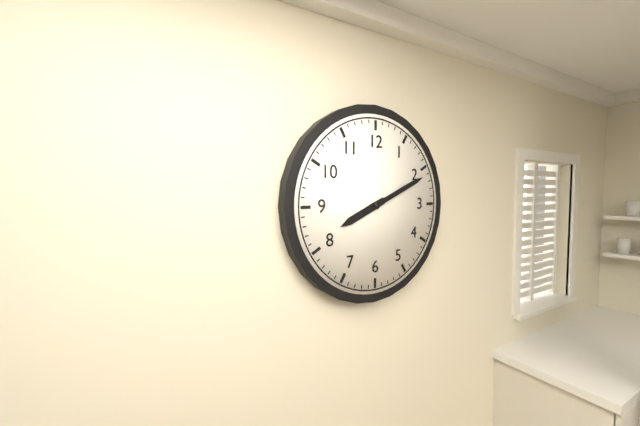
8:11
